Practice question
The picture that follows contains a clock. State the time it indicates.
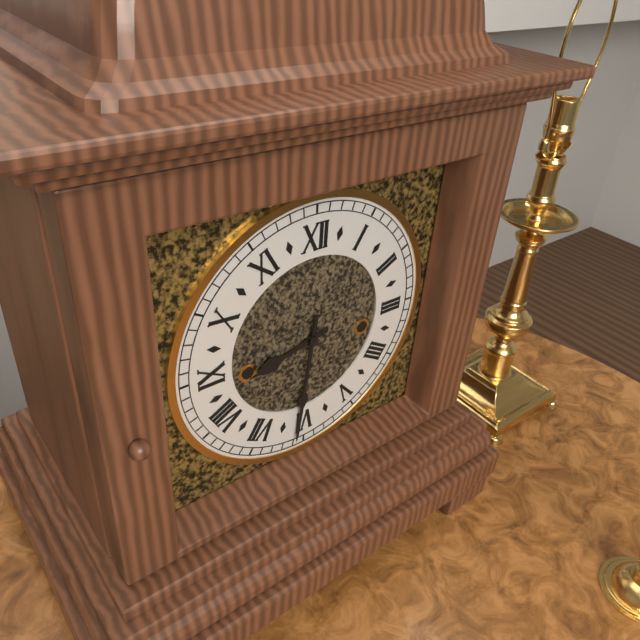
8:31
